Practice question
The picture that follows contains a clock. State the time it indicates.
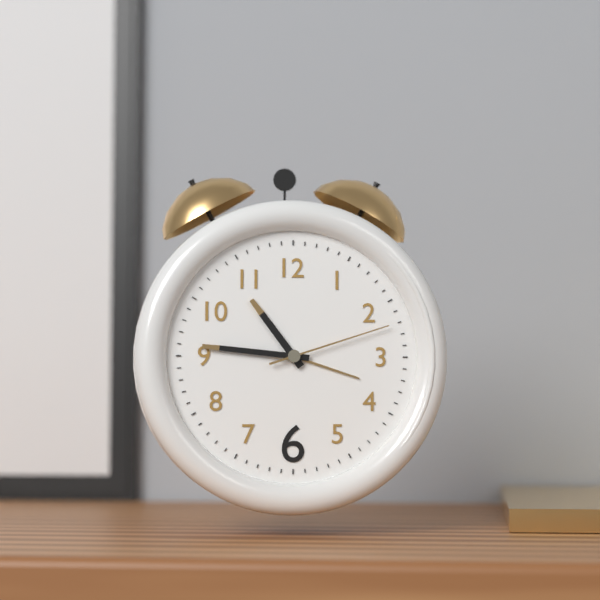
10:46:12
